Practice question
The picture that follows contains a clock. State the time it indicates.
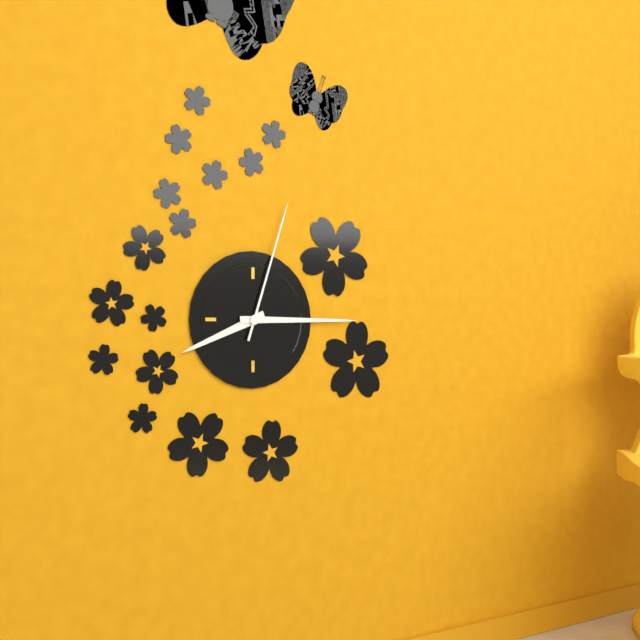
8:15:03
